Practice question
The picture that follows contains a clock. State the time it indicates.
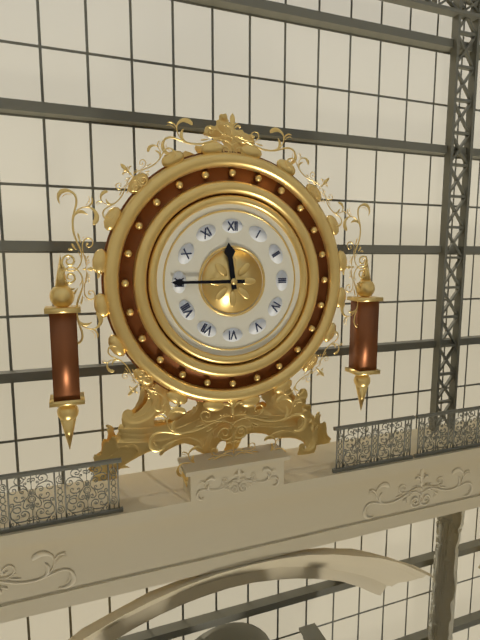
11:45
